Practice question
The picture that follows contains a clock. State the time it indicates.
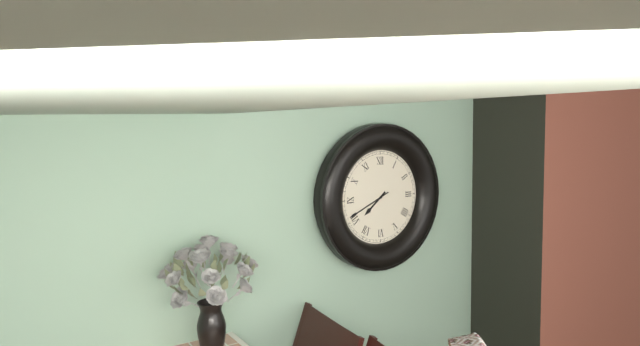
7:41
